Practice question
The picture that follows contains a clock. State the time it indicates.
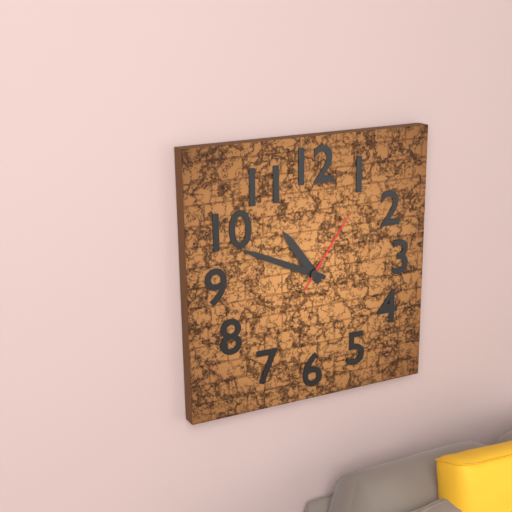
10:49:06
